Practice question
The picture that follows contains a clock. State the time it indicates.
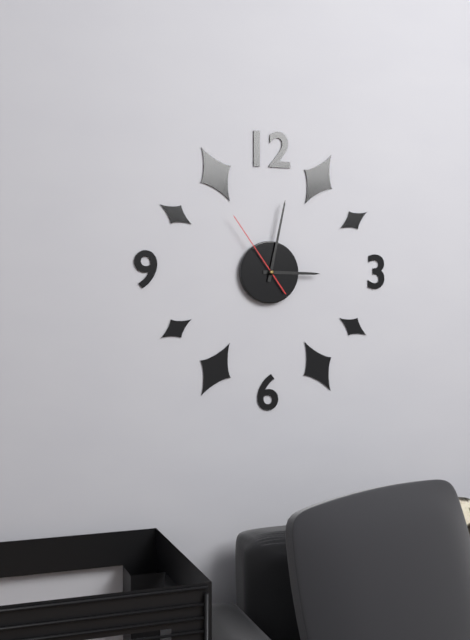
3:02:54
